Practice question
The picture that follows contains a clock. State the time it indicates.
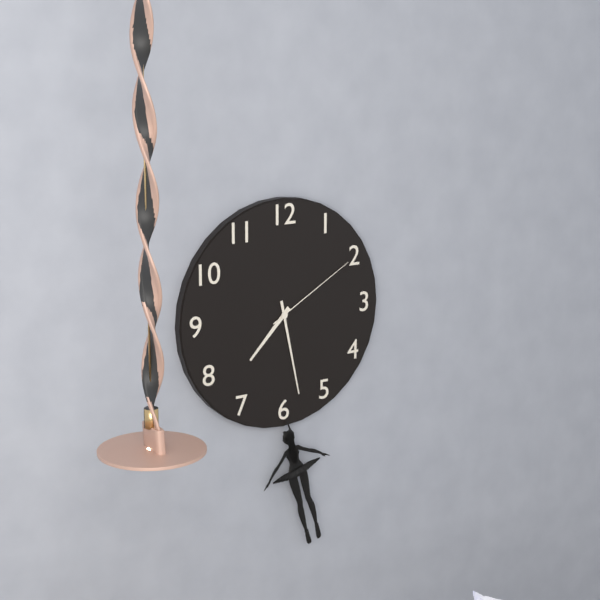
7:28:10
